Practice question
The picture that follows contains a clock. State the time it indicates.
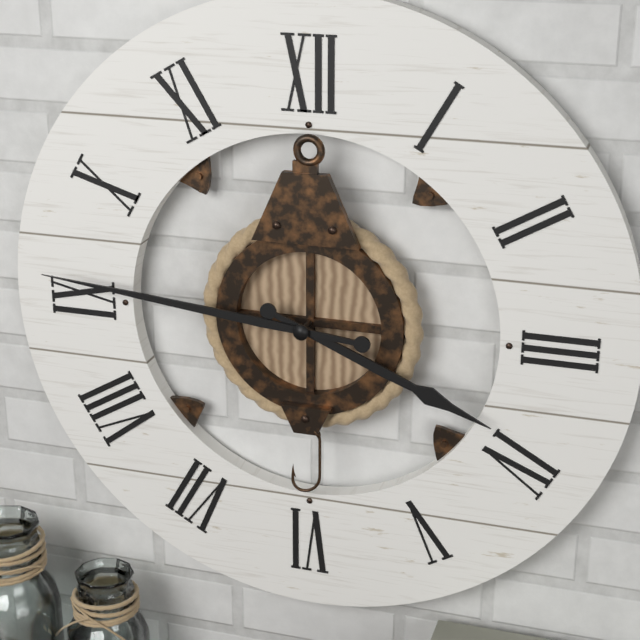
3:46
